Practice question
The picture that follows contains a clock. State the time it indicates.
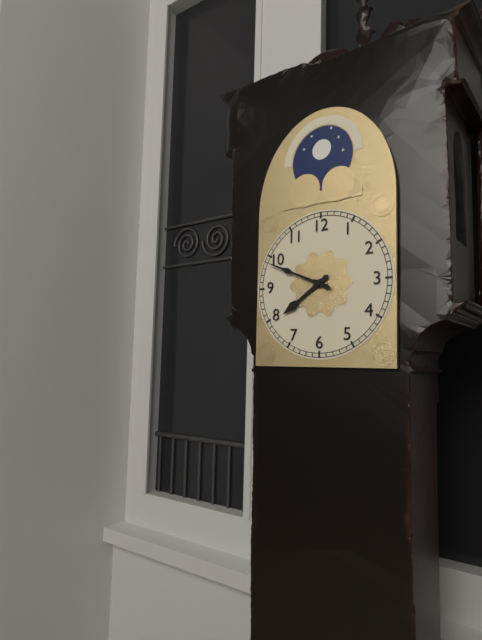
7:49
